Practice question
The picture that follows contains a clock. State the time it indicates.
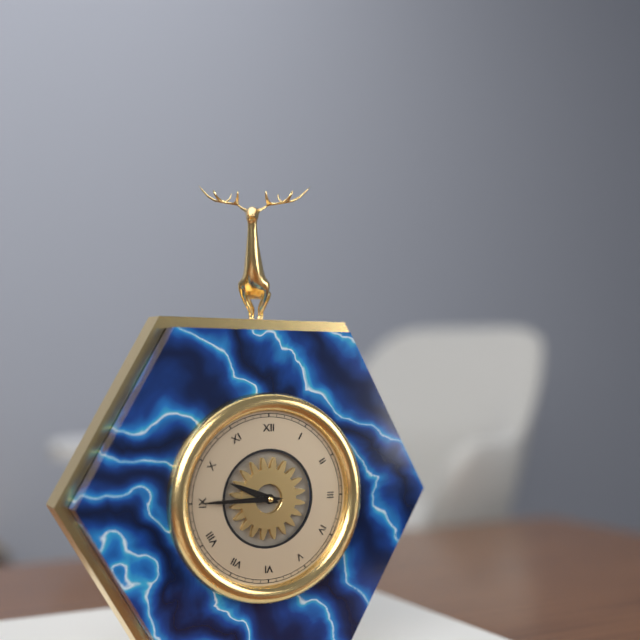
9:45
